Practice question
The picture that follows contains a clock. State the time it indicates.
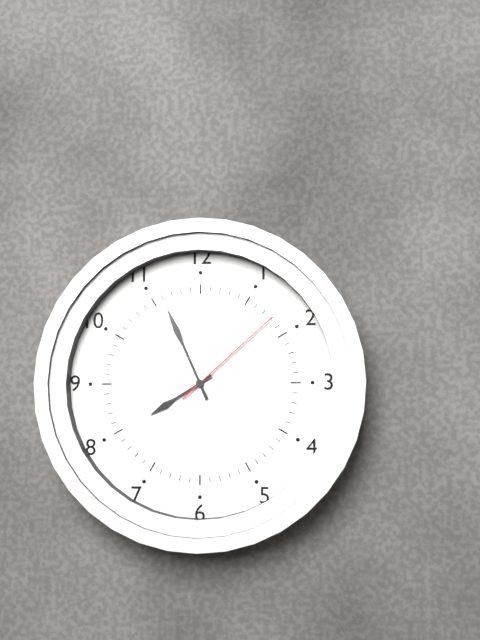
7:56:08
